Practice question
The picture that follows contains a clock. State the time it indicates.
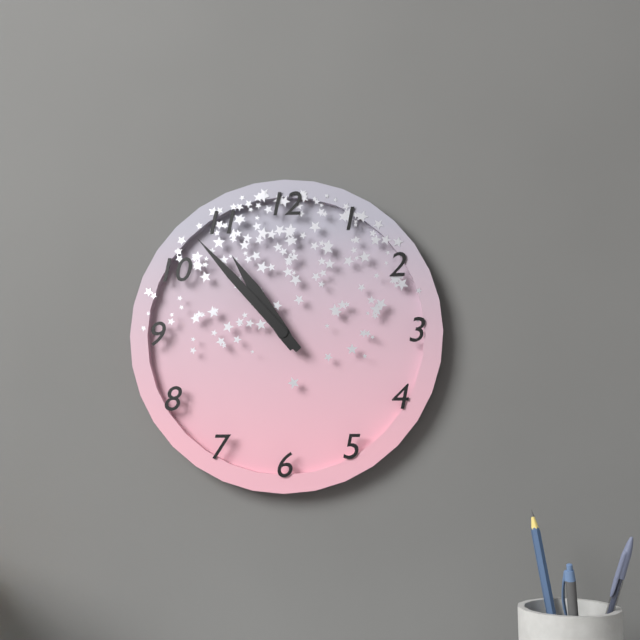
10:53
